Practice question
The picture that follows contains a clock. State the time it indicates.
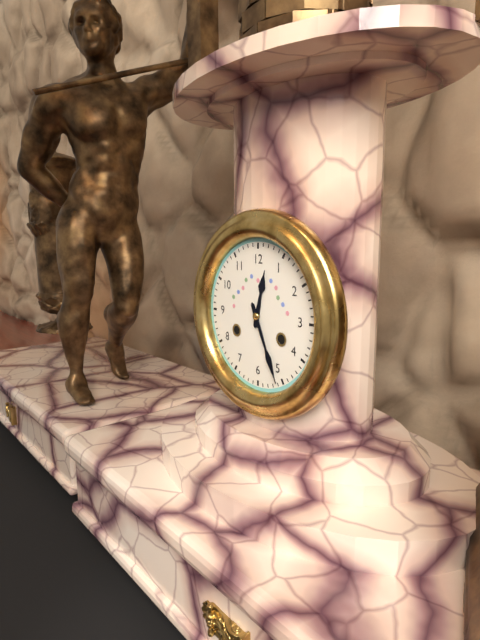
12:26
